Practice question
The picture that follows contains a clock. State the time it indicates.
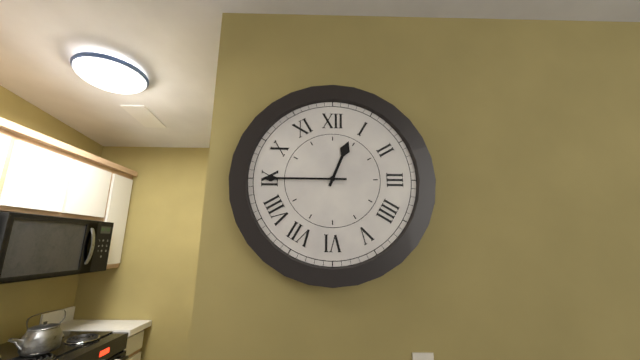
12:45
